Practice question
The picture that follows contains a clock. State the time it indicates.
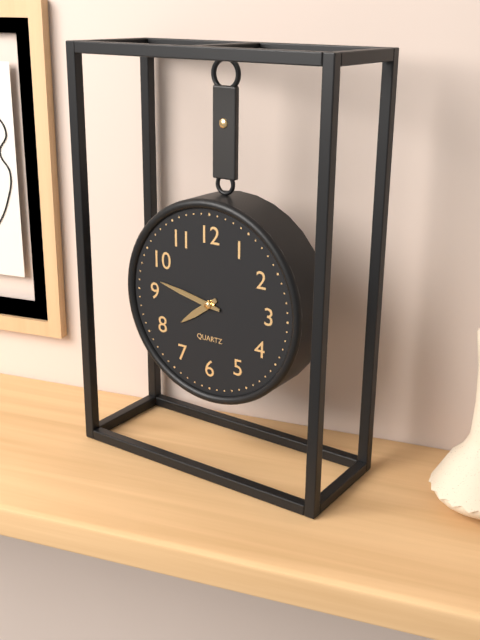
7:47
